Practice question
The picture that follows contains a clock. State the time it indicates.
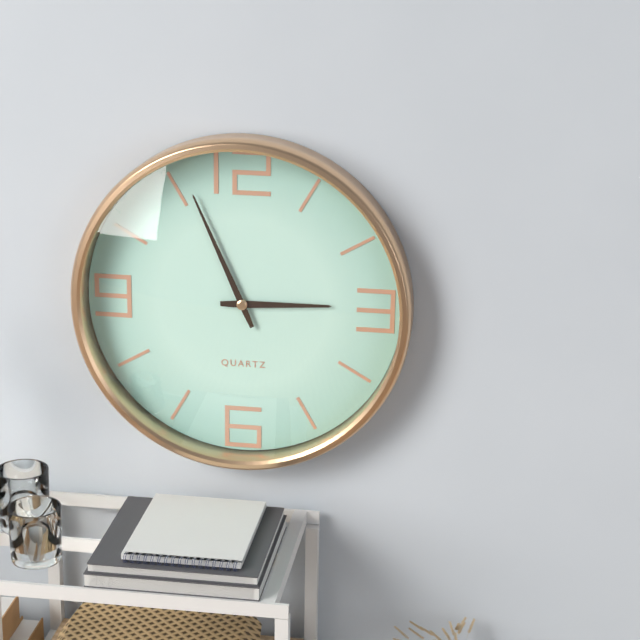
2:56
